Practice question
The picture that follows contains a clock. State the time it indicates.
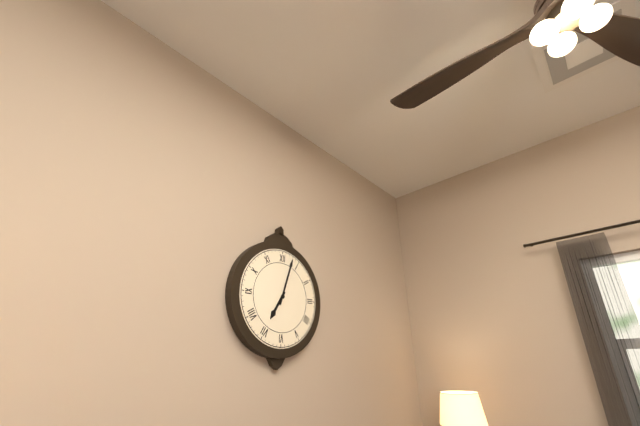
7:03
